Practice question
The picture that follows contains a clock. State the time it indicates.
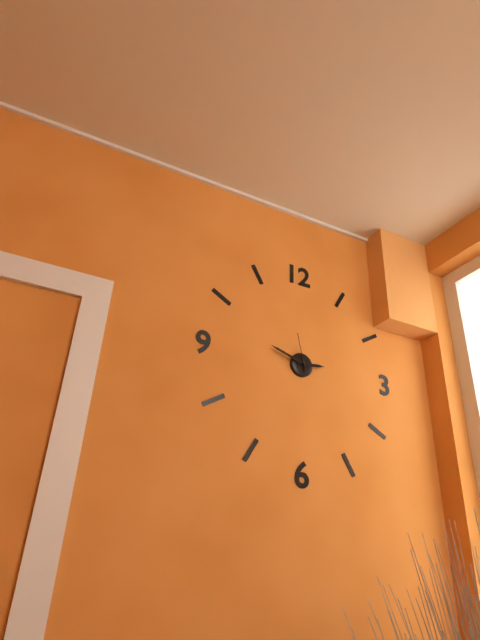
2:48
